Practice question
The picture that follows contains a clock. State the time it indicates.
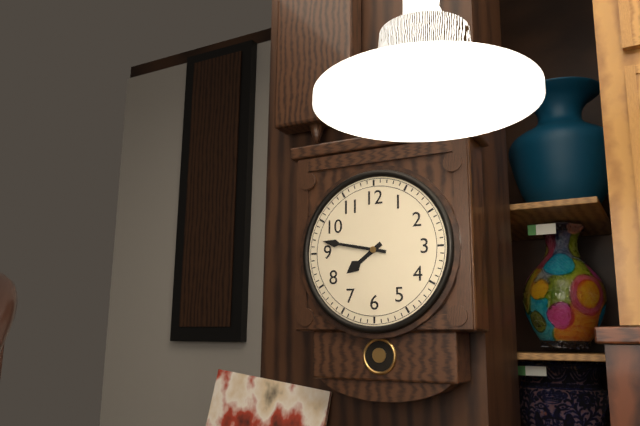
7:47
